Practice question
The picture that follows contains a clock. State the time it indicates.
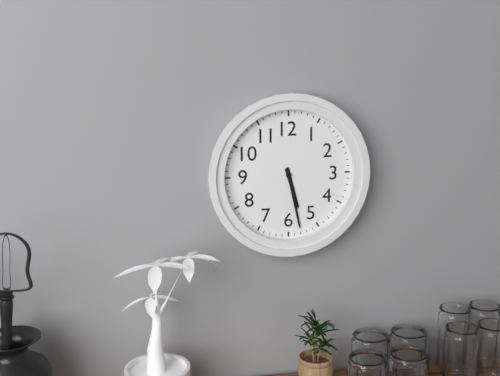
5:28
